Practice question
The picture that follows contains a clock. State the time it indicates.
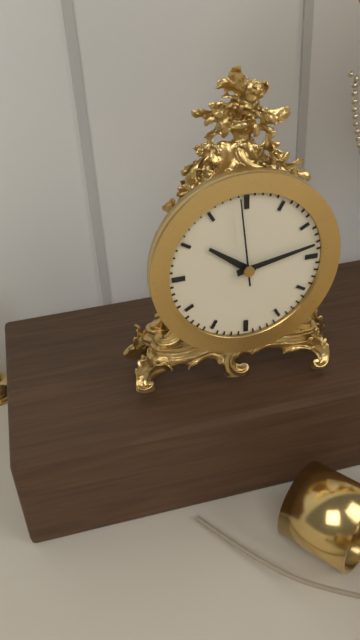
10:13:59
